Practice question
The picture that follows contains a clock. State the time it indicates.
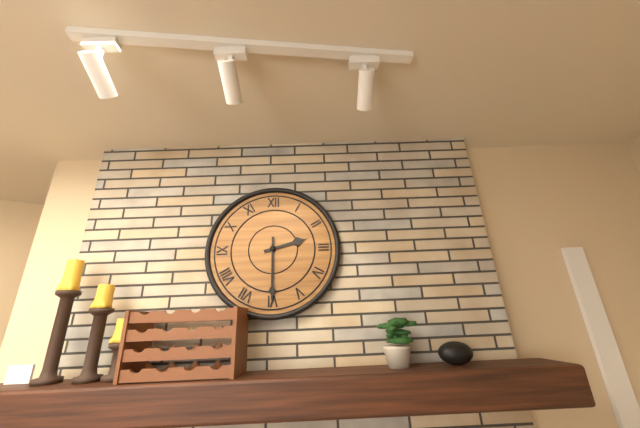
2:30
